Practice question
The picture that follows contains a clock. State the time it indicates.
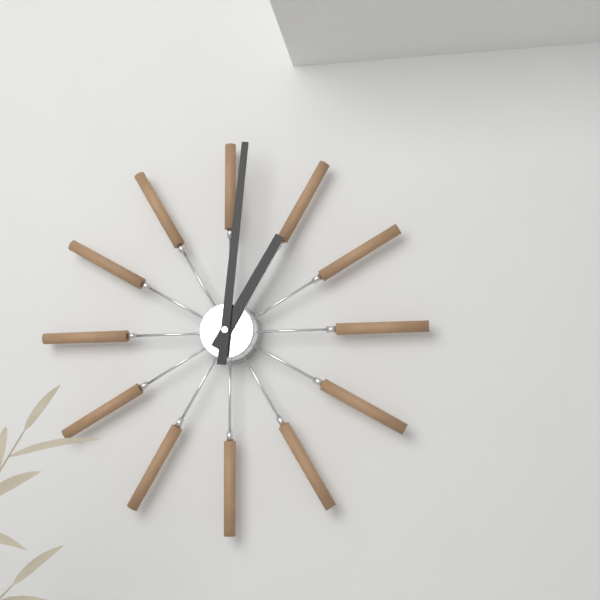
1:01
